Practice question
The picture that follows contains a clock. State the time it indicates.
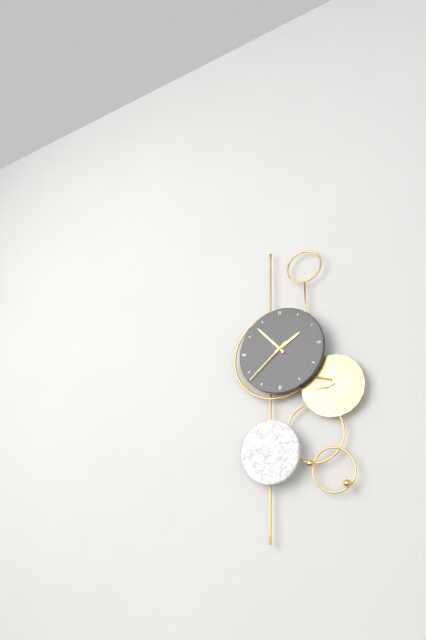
1:53:38
